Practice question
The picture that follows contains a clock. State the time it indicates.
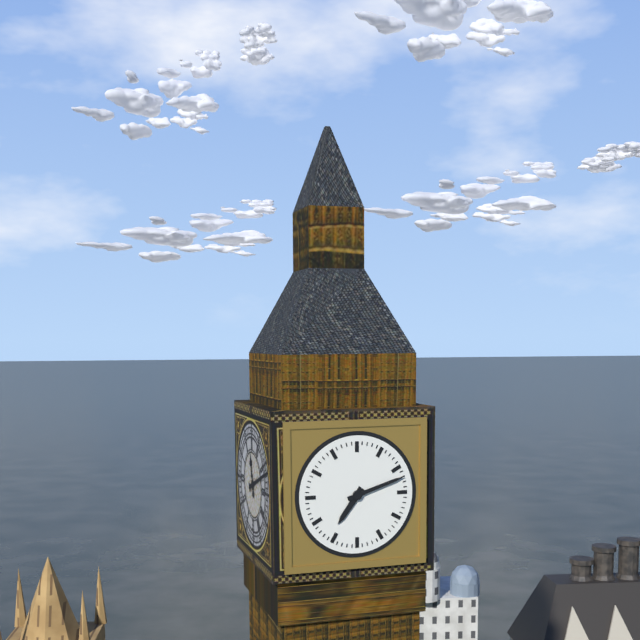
7:12
